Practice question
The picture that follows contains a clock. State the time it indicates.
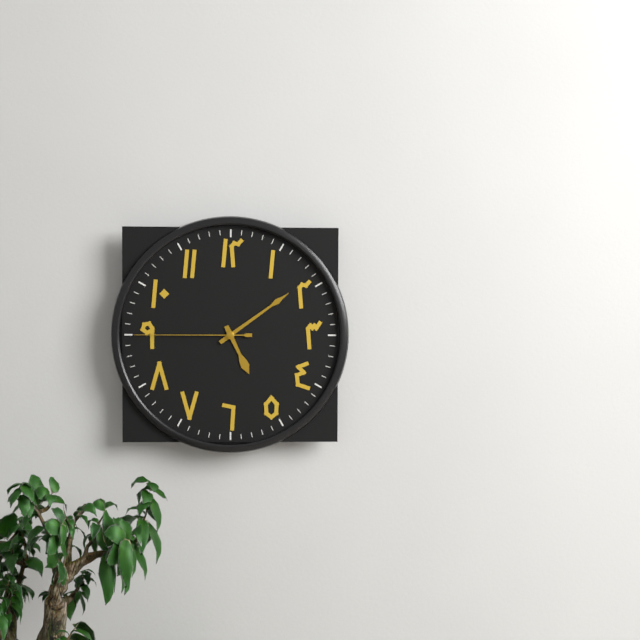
5:09:45
